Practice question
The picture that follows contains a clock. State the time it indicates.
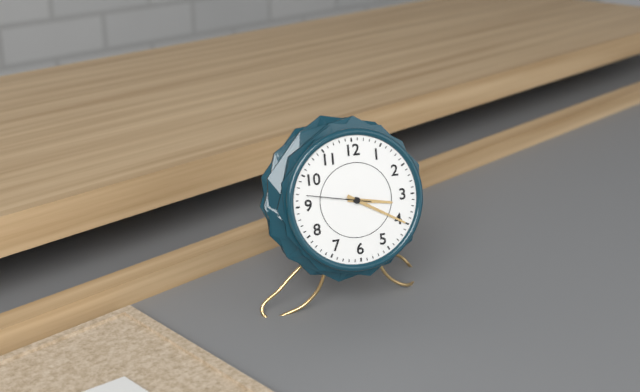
3:20
